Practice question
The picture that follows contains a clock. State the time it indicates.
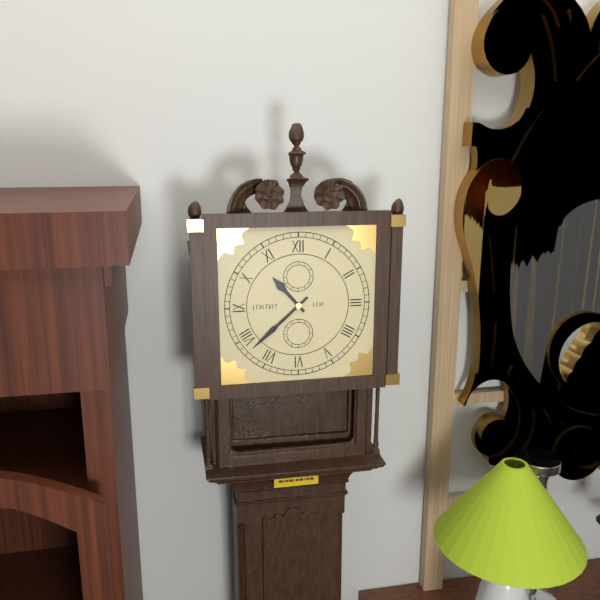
10:38
